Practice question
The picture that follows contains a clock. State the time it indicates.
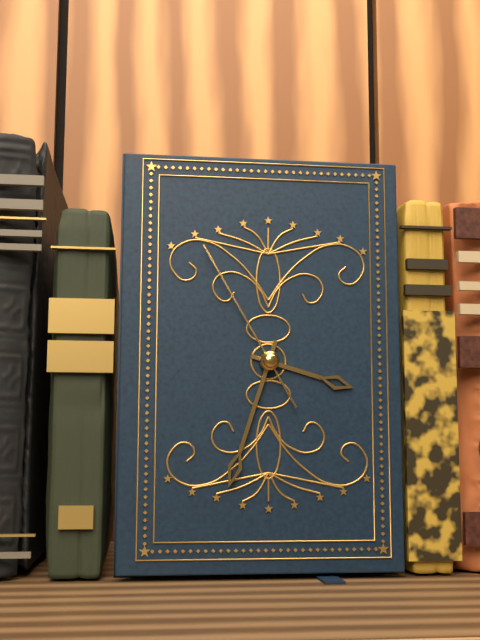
3:33:55
